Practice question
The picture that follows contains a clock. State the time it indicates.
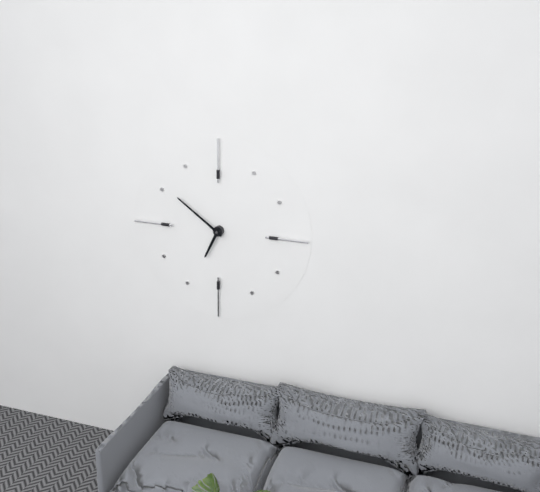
6:51
